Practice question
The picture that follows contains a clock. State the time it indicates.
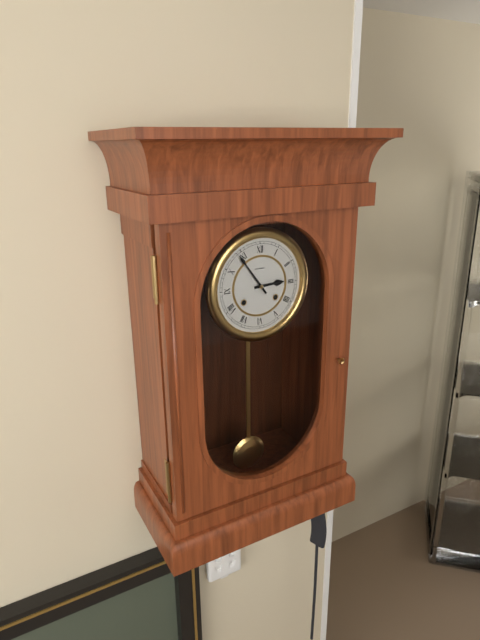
2:54
